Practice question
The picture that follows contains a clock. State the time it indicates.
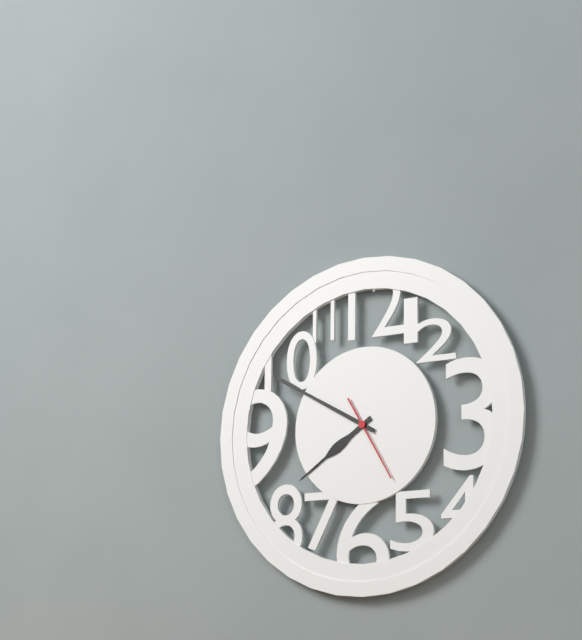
7:50:25
